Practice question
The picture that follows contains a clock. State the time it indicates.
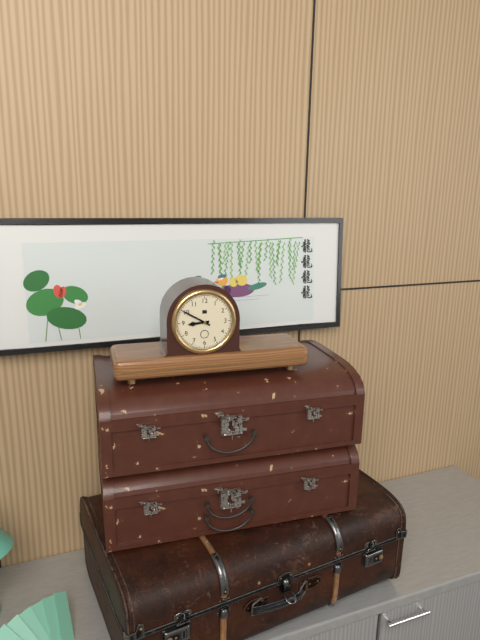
8:50
